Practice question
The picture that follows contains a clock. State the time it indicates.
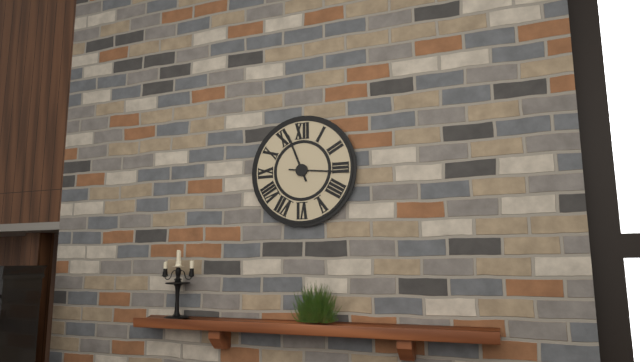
11:16
